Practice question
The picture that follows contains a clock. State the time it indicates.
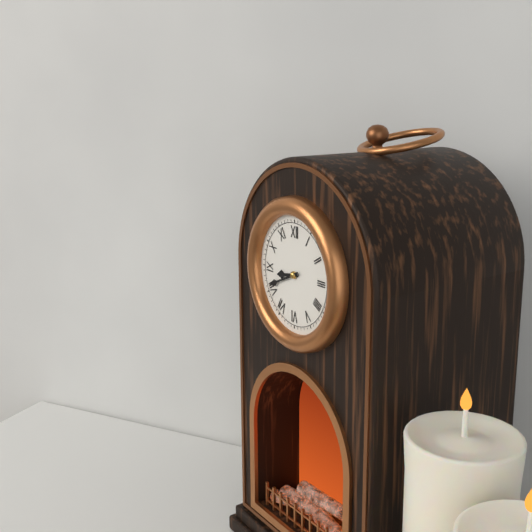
8:41
